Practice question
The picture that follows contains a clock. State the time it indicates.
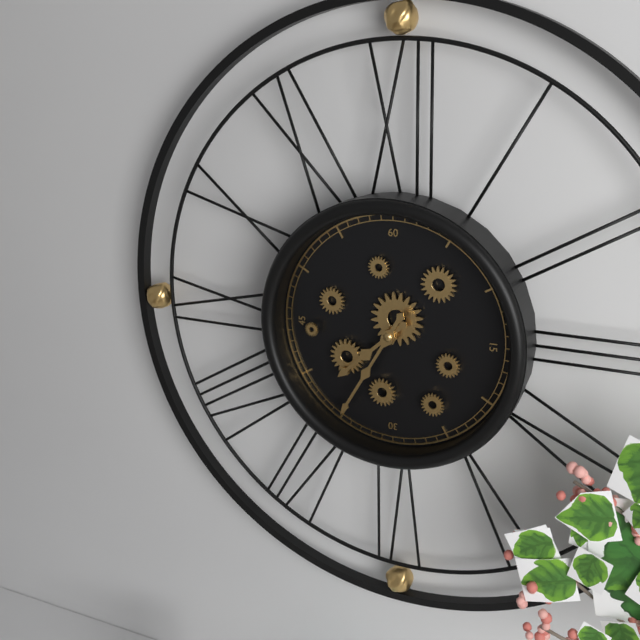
7:35
